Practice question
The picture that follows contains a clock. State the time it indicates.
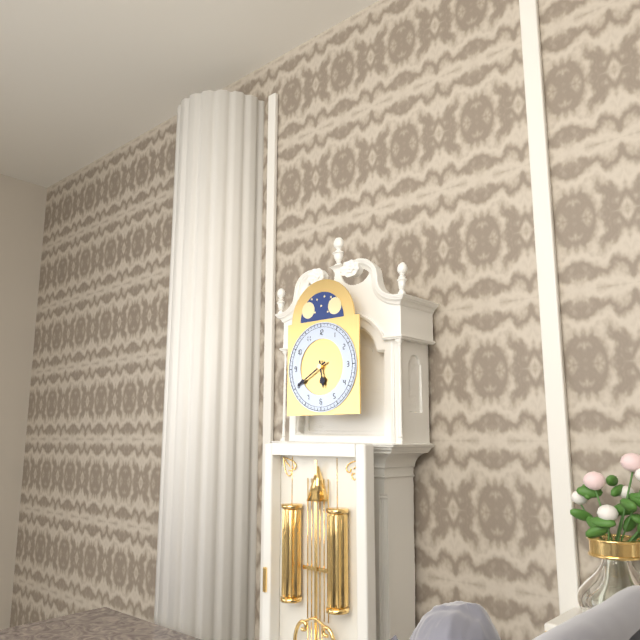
5:40
